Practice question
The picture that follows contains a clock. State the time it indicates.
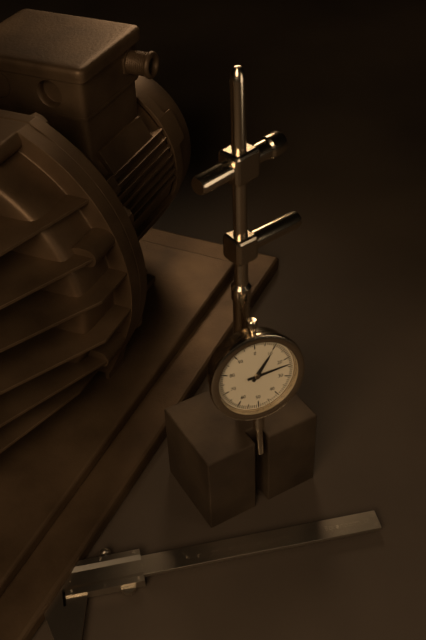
1:14
